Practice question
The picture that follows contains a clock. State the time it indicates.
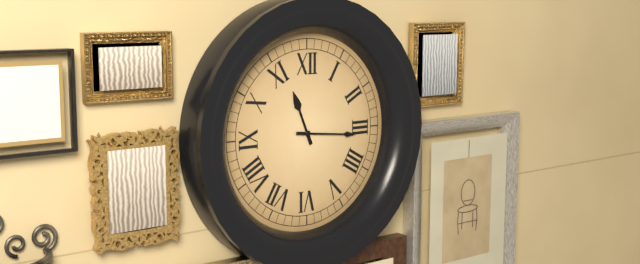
11:16
